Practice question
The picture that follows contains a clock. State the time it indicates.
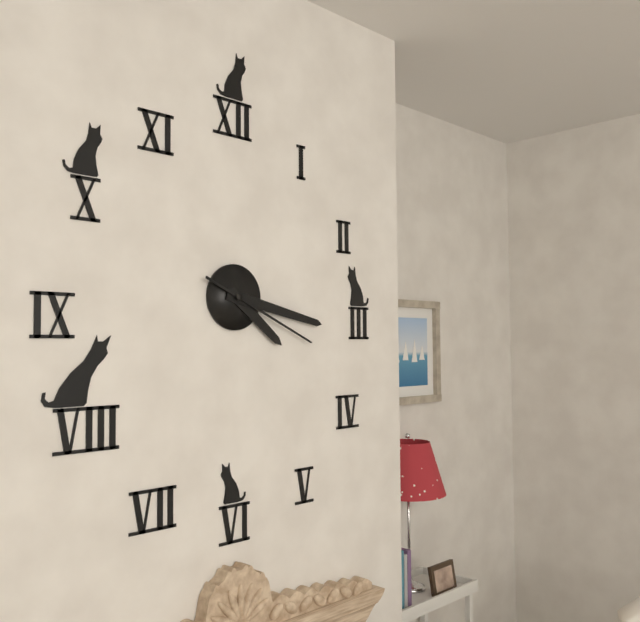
4:17:19
